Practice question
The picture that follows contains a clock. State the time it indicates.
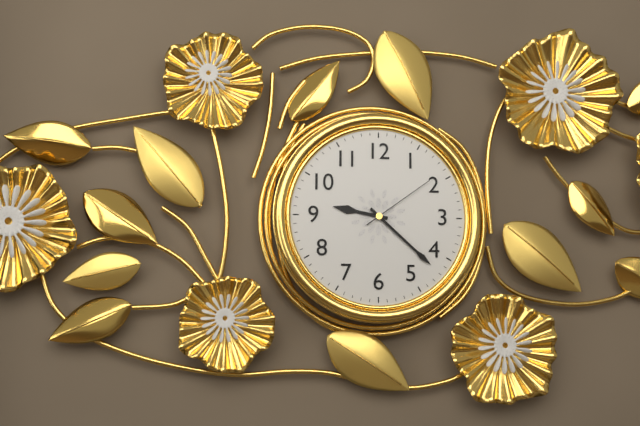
9:22:09
